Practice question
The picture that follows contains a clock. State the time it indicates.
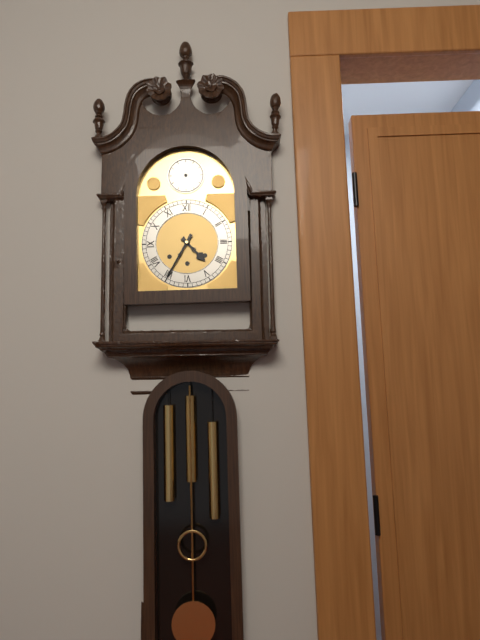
4:35
